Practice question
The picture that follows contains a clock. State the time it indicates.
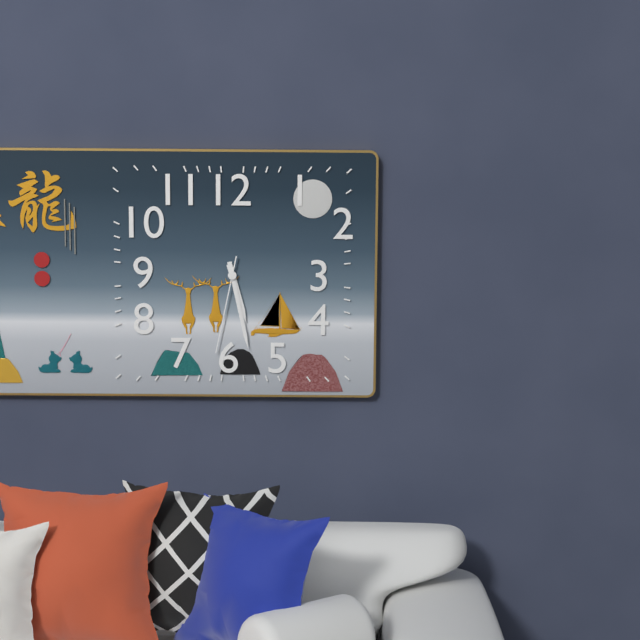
5:28:32
